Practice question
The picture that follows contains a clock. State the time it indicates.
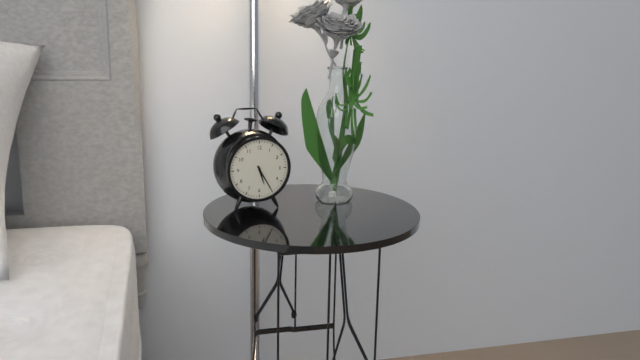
5:25
